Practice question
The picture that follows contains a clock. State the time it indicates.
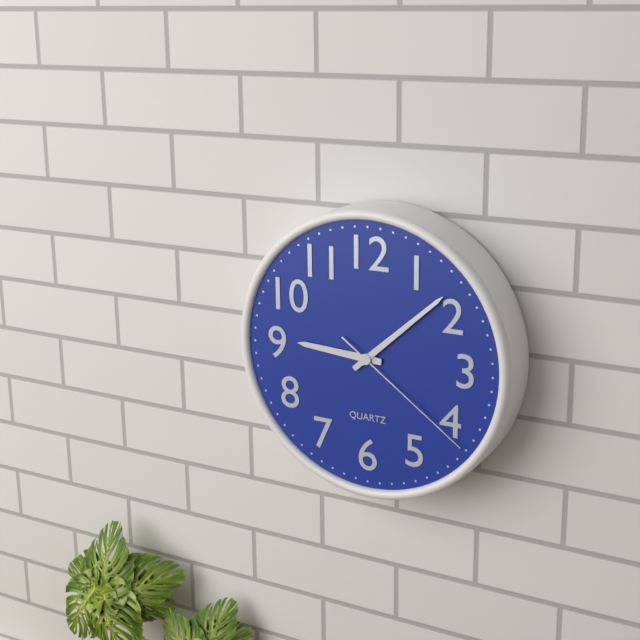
9:08:21
